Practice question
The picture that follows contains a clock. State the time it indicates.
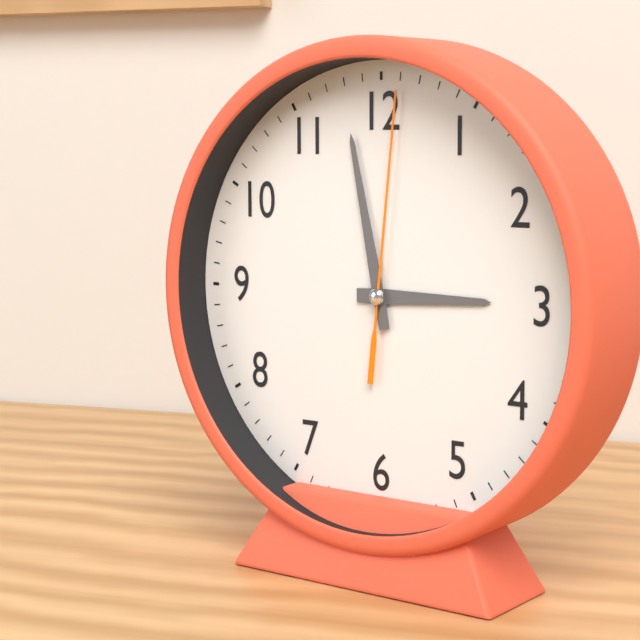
2:58:01
